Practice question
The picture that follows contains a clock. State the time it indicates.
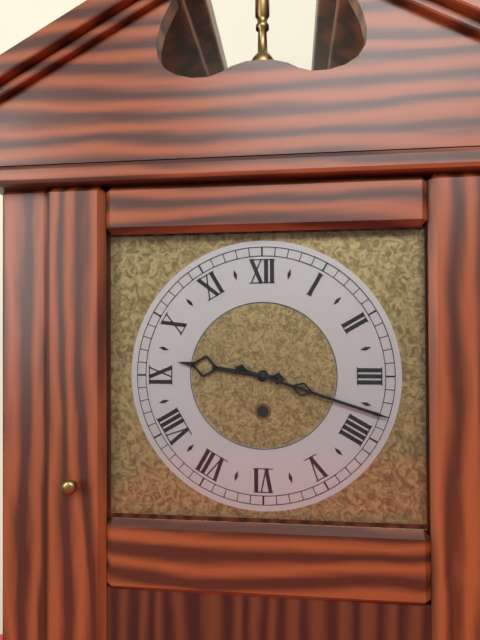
9:18
